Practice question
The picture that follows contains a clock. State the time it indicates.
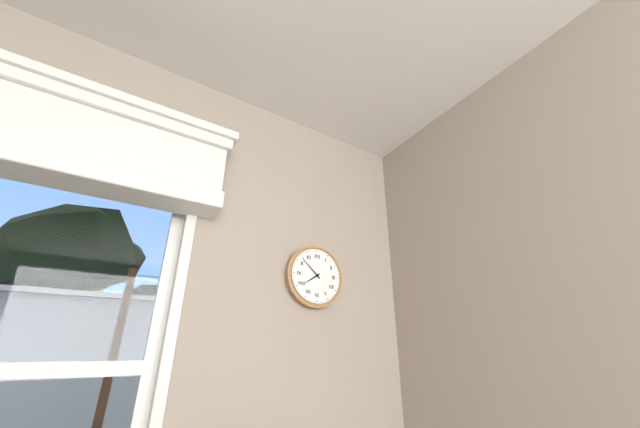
7:52
